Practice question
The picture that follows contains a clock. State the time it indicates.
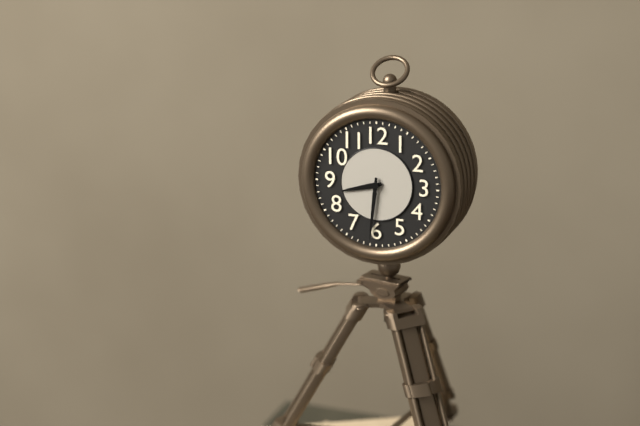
8:31
